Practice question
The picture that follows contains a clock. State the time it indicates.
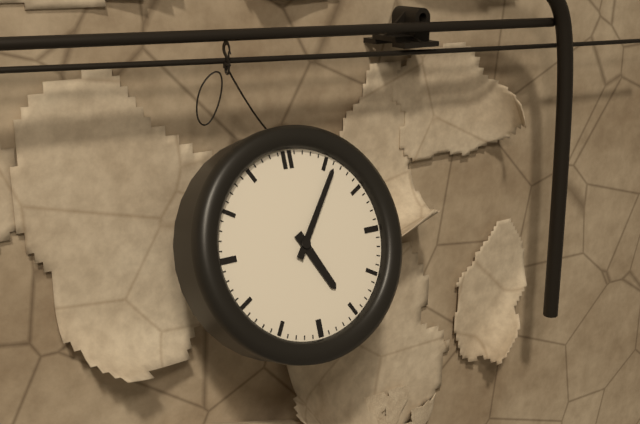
5:06
